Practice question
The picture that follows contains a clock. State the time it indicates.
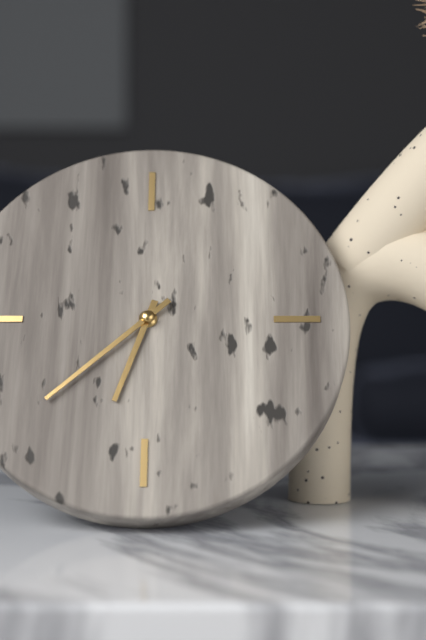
6:38
